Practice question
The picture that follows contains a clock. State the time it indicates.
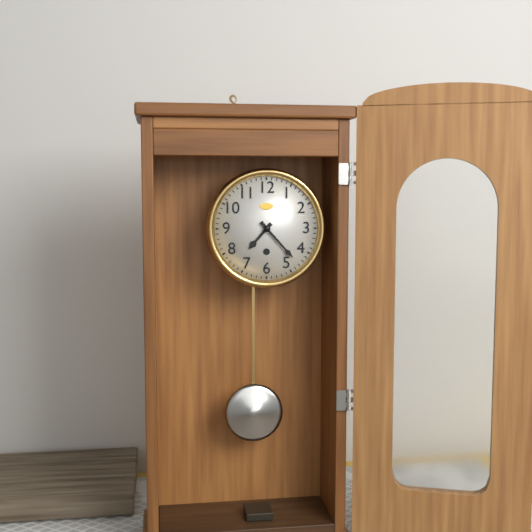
7:23
